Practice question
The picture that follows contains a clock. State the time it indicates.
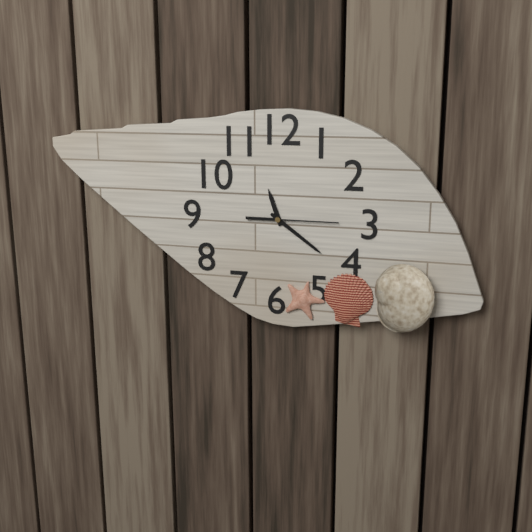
11:21:15
